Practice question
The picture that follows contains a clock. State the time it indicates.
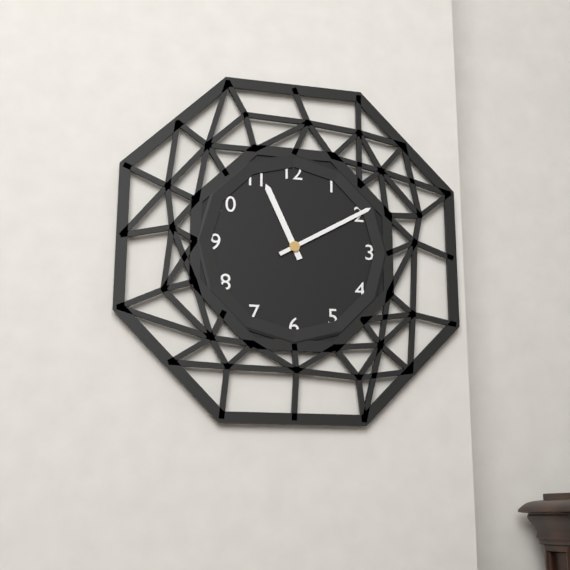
11:10
